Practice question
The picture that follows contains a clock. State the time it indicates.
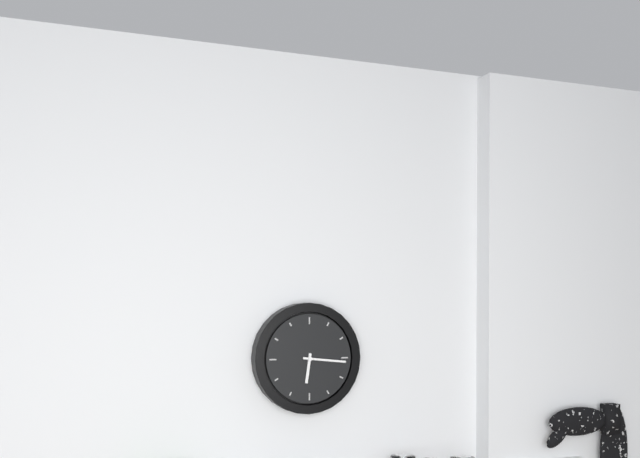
6:16
